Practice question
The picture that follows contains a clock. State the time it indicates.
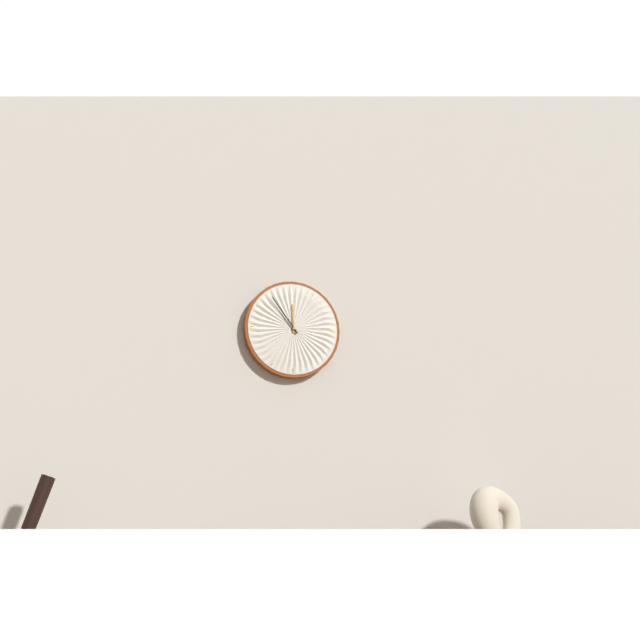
11:54
